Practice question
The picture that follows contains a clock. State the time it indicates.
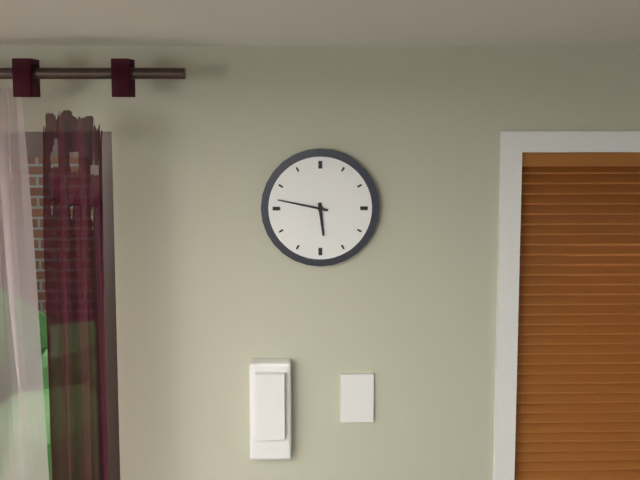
5:47
